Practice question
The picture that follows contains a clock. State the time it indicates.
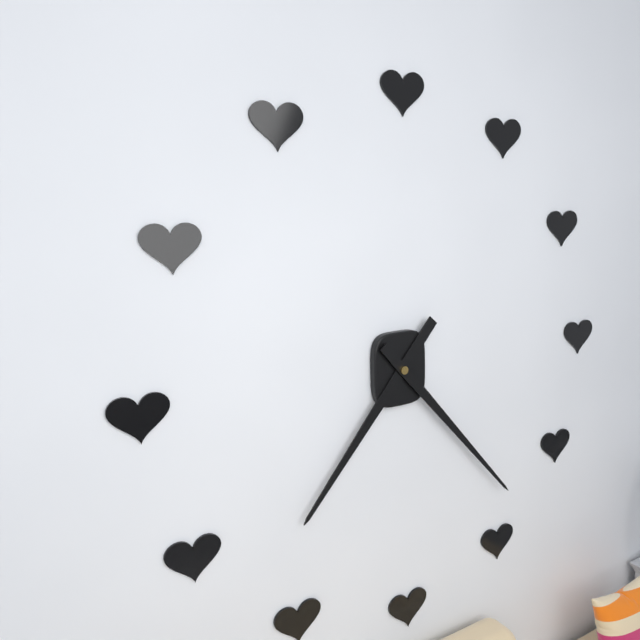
7:23
